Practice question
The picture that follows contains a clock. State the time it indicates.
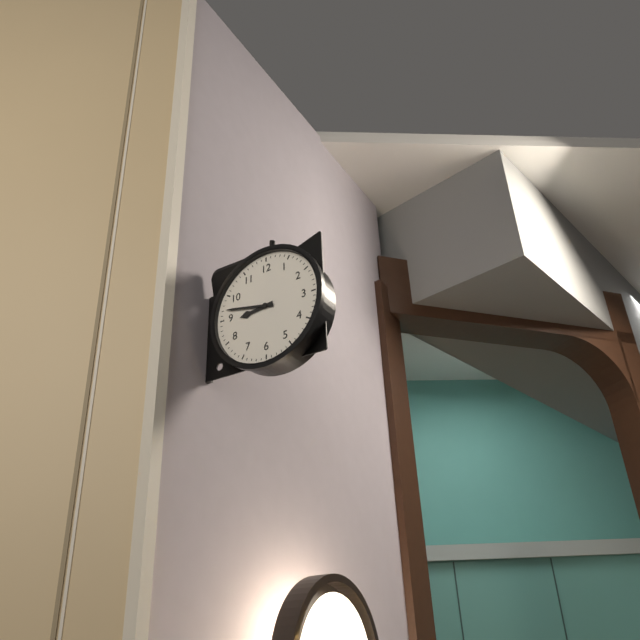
8:47
